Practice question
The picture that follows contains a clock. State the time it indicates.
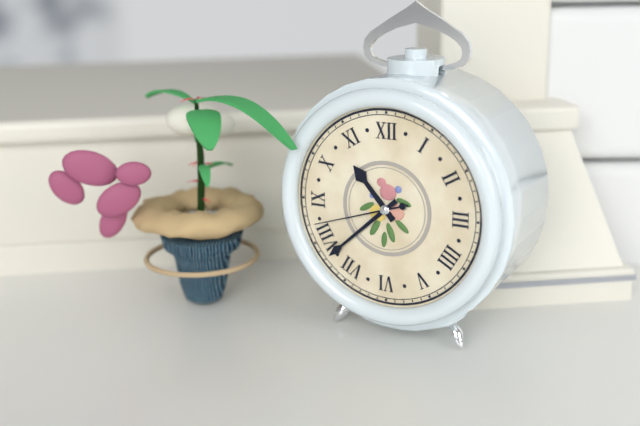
10:38:42
